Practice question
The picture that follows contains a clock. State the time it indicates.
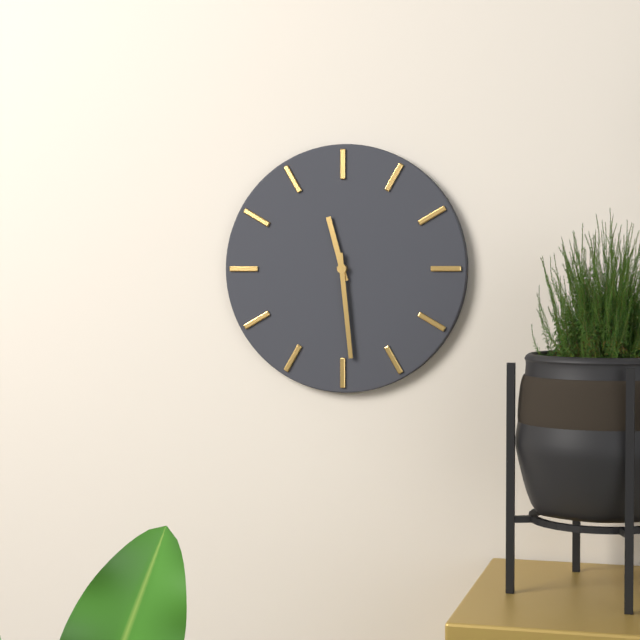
11:29
